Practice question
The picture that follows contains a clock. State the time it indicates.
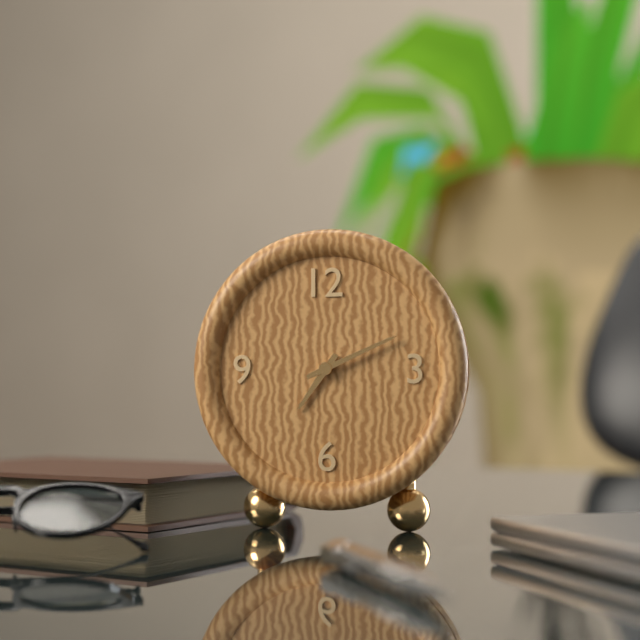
7:11
